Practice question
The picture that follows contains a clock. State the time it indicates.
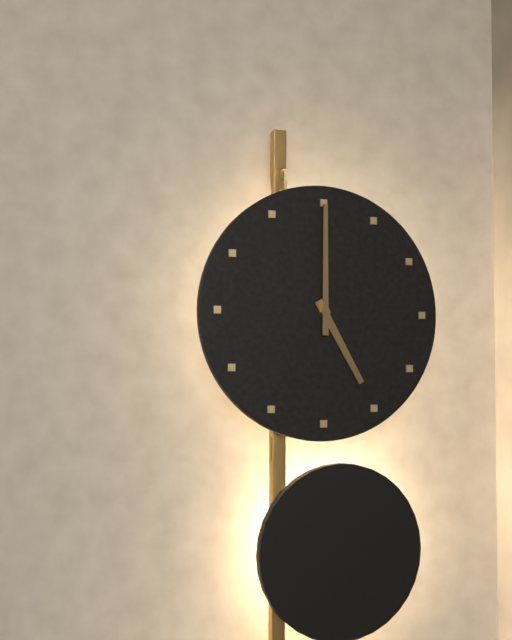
5:00
